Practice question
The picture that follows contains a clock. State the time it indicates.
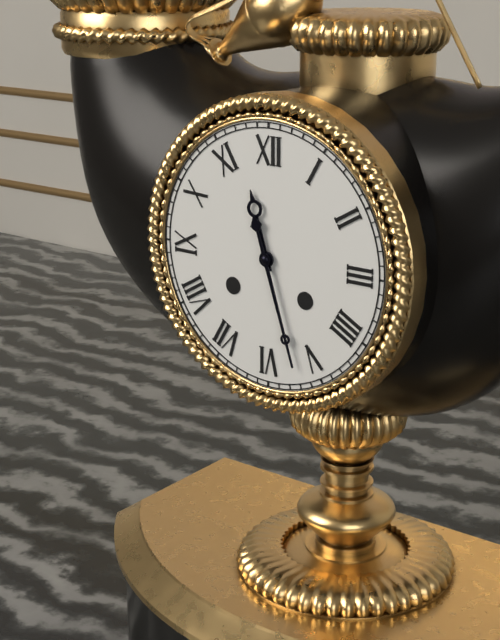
11:27
